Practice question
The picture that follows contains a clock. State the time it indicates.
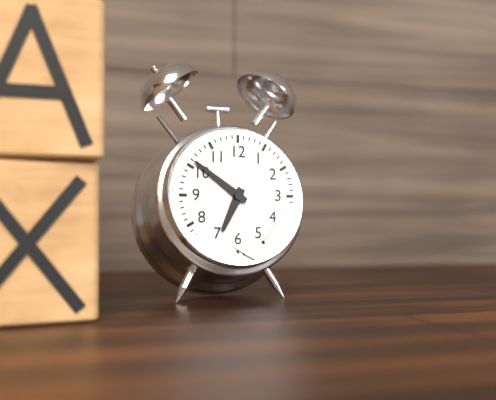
6:51
